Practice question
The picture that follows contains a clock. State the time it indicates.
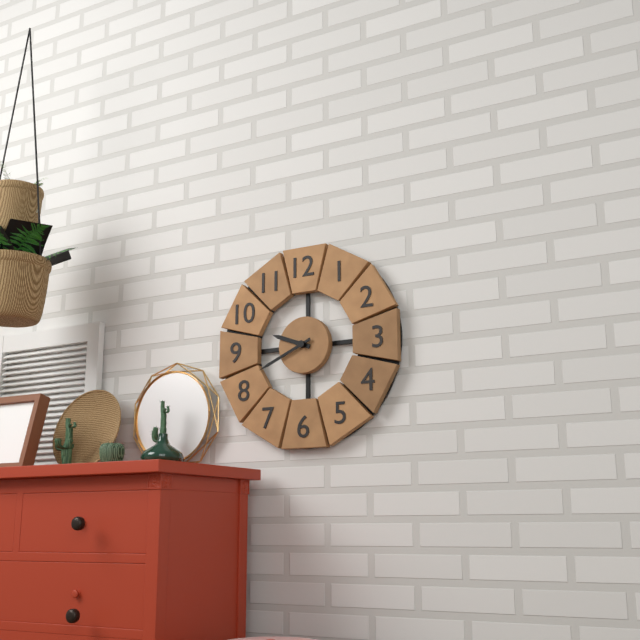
9:41
